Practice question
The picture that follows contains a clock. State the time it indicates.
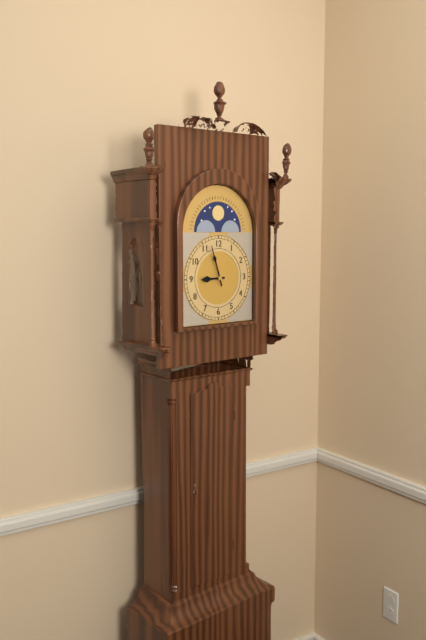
8:57
